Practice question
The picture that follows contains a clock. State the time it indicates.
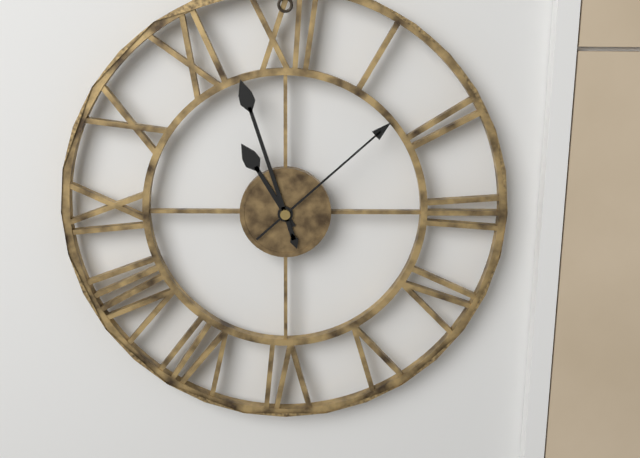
10:57:08
